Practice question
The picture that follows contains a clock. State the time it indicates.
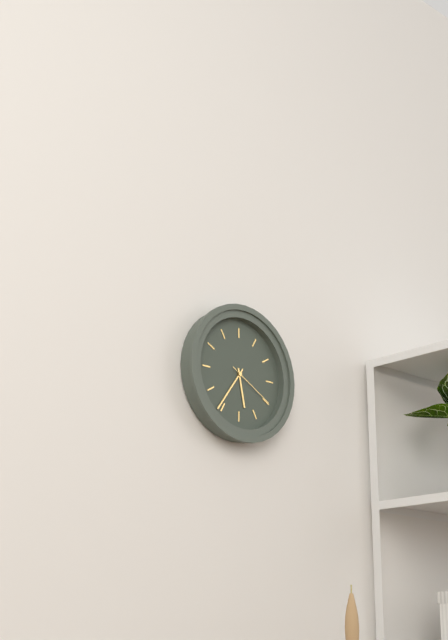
5:36:20
